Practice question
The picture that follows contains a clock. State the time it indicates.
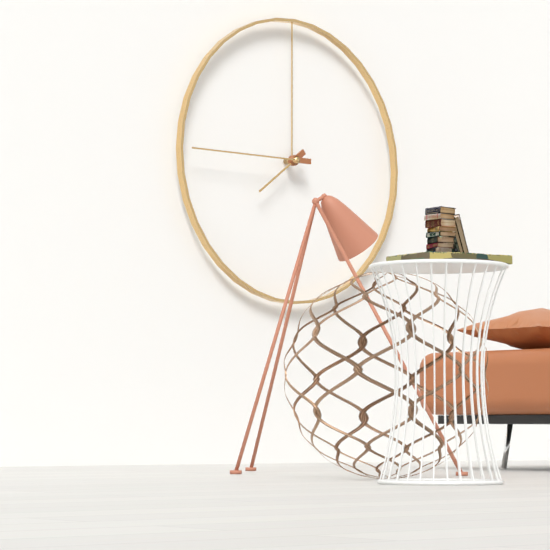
7:45
